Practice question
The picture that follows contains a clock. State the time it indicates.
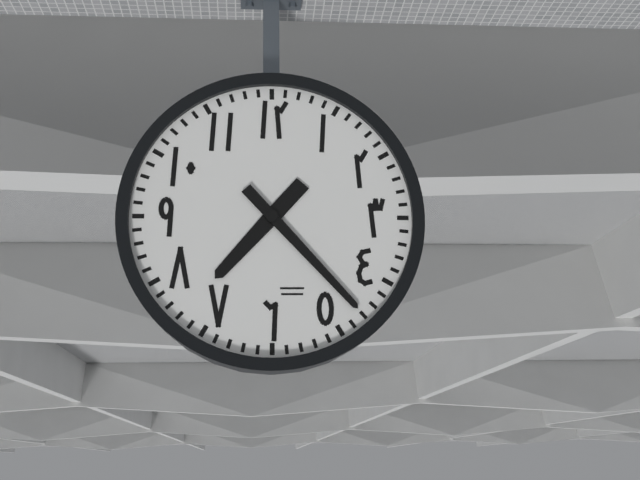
7:23
